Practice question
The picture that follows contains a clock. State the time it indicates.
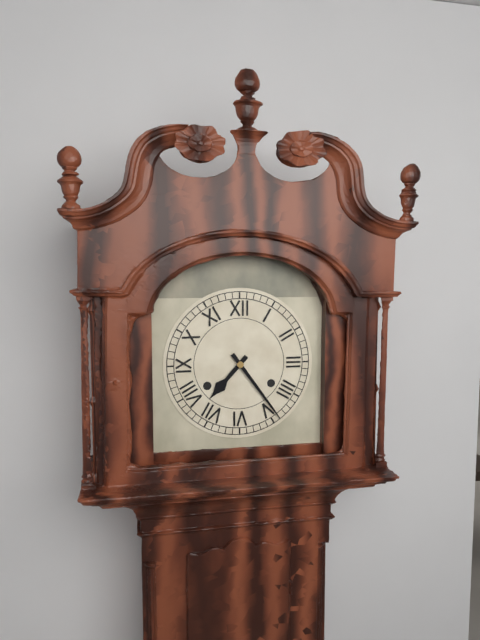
7:24
